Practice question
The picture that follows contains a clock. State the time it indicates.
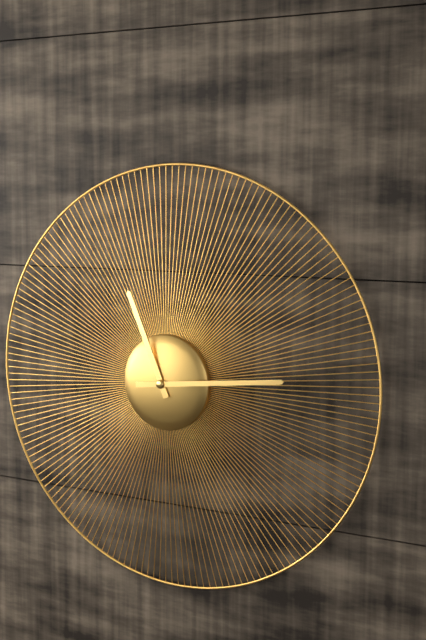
11:14
